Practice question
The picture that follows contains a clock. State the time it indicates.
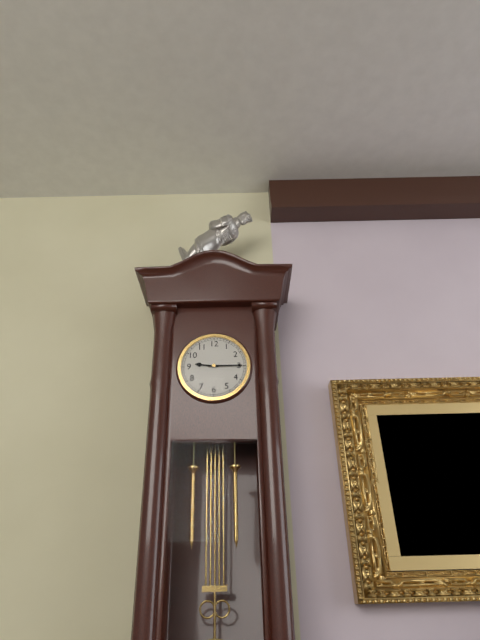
9:15
